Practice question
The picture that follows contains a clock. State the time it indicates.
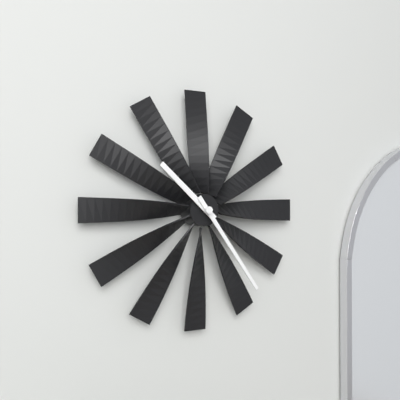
10:24
